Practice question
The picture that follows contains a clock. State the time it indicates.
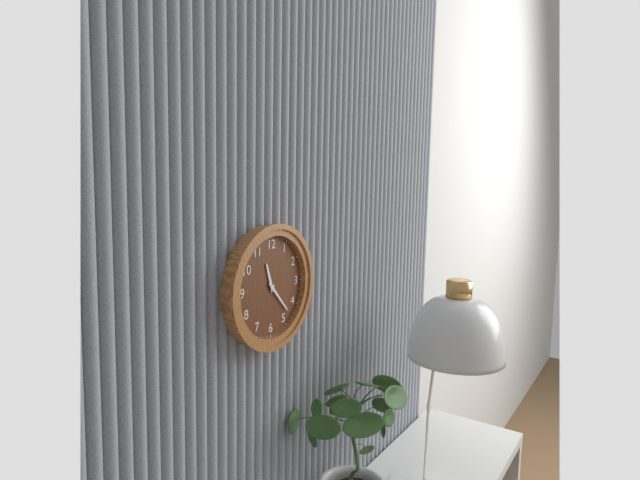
11:23
